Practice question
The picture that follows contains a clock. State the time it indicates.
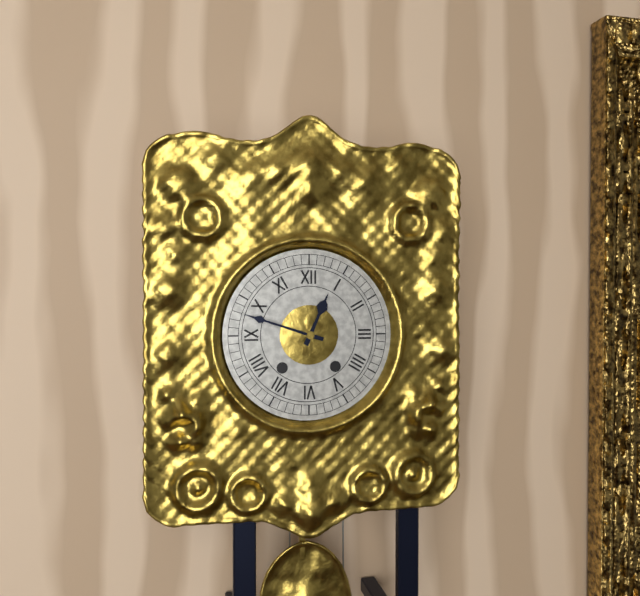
12:48
